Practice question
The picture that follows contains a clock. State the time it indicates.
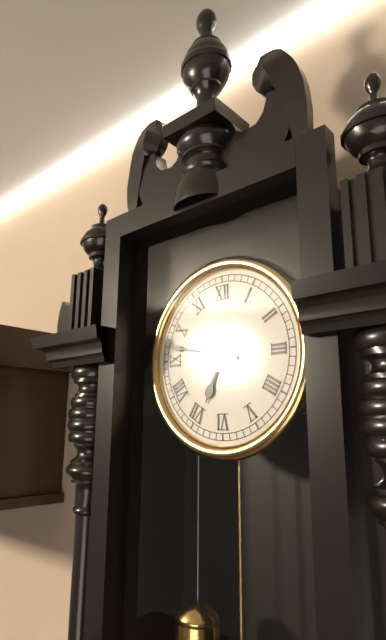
6:47
